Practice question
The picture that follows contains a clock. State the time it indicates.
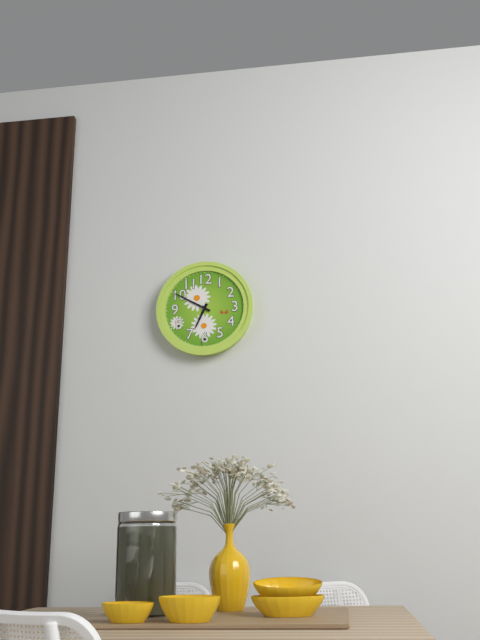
6:50
